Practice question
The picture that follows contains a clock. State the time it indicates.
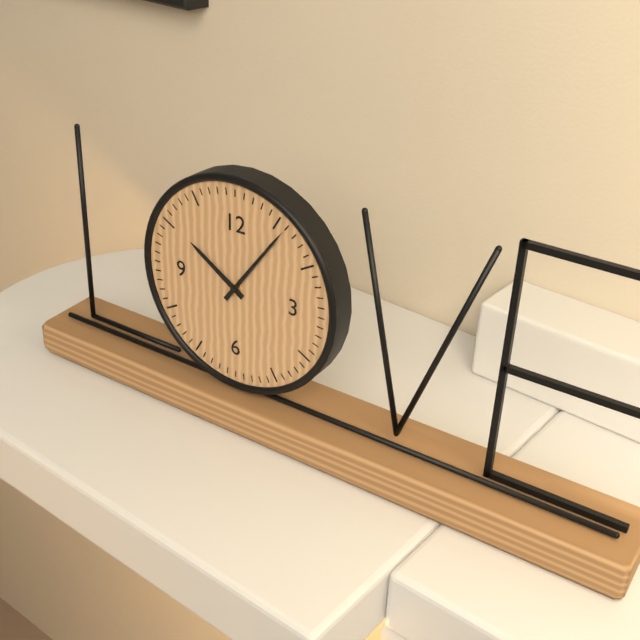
10:06
